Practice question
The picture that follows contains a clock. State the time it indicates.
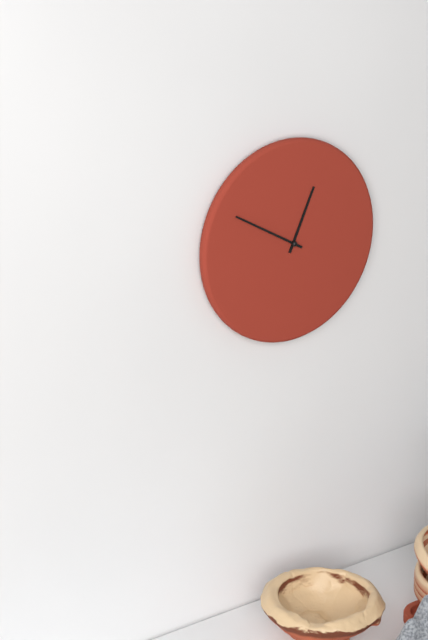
12:50
